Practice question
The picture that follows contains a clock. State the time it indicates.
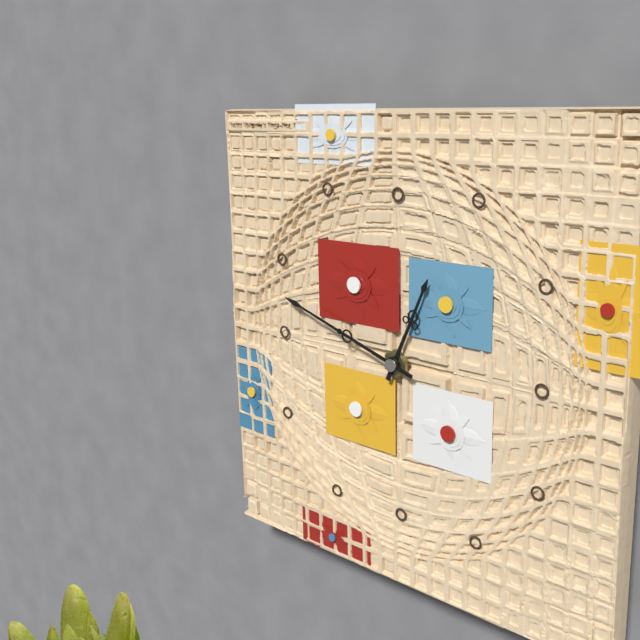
12:48
